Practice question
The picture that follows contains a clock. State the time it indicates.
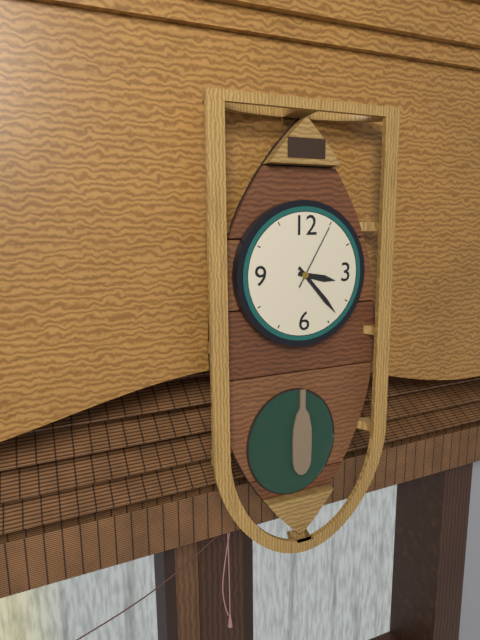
3:23:05
